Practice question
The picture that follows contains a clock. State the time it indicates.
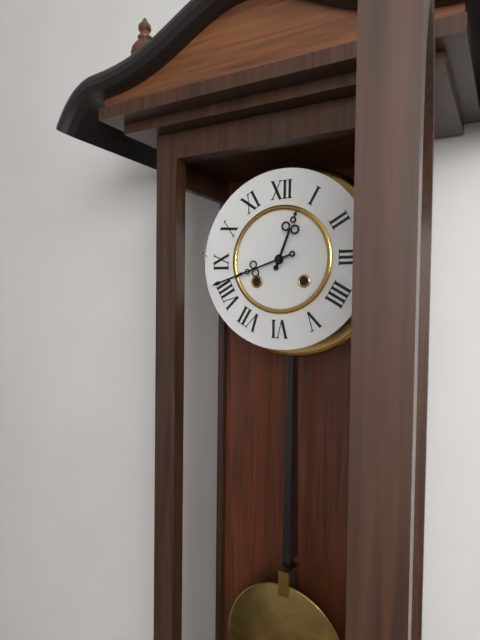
12:42
